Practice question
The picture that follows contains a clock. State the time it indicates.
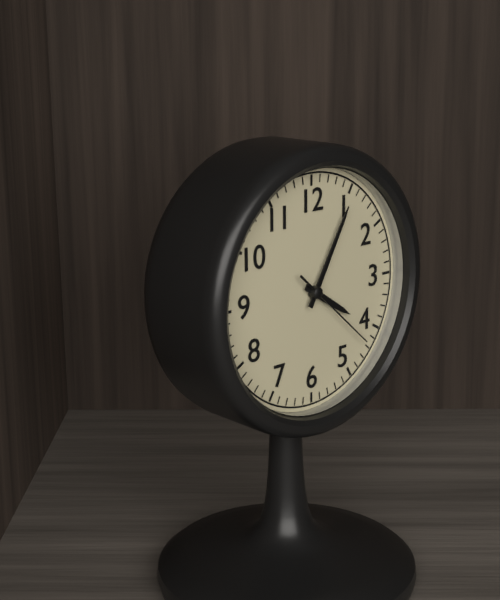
4:05:22
